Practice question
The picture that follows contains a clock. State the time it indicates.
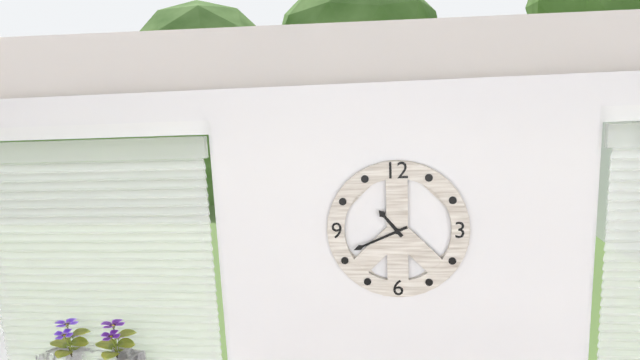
10:41
